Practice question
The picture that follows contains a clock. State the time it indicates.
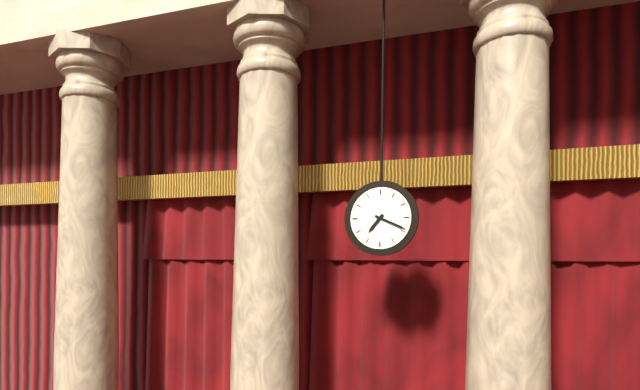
7:19
